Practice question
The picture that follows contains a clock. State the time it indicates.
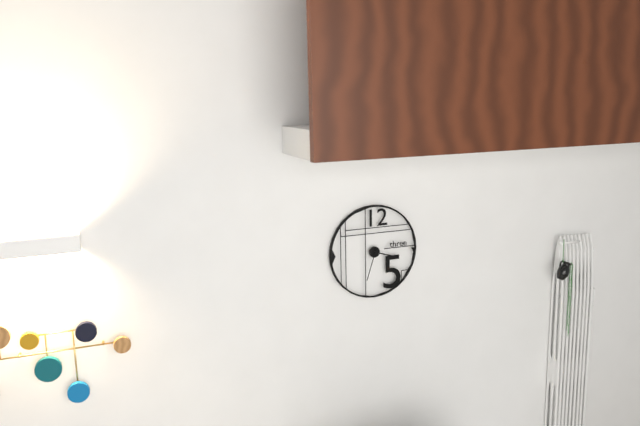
3:33
